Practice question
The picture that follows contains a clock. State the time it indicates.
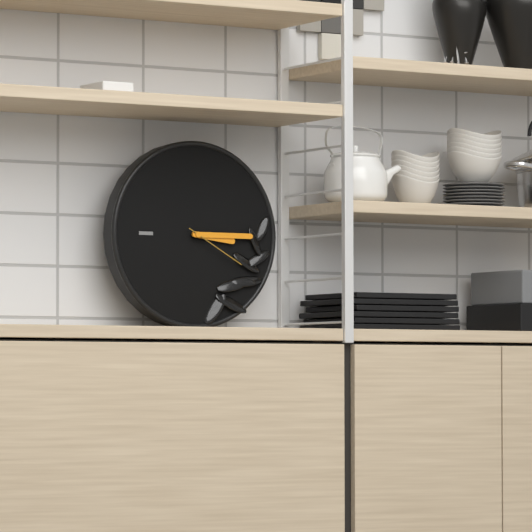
3:15:20
